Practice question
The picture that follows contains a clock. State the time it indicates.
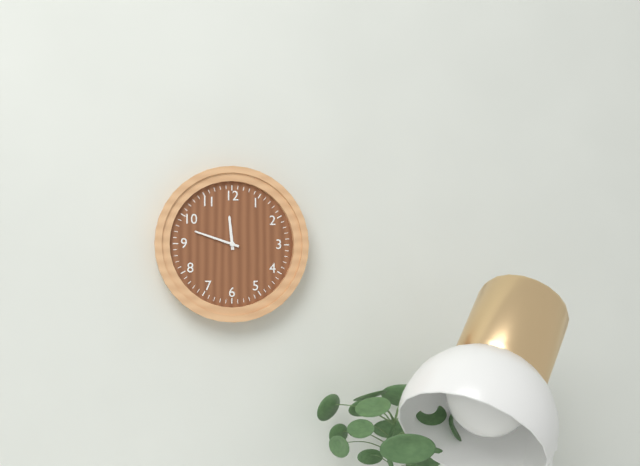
11:48
